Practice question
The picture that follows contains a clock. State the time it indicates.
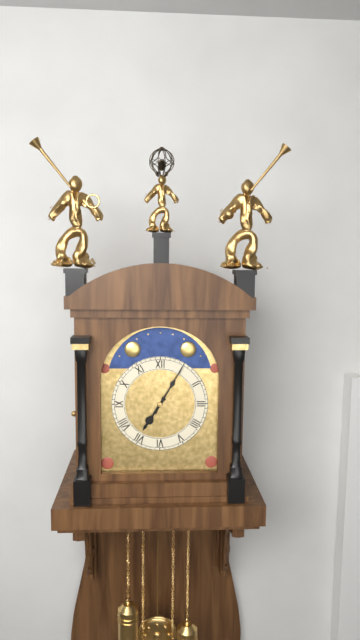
7:05
